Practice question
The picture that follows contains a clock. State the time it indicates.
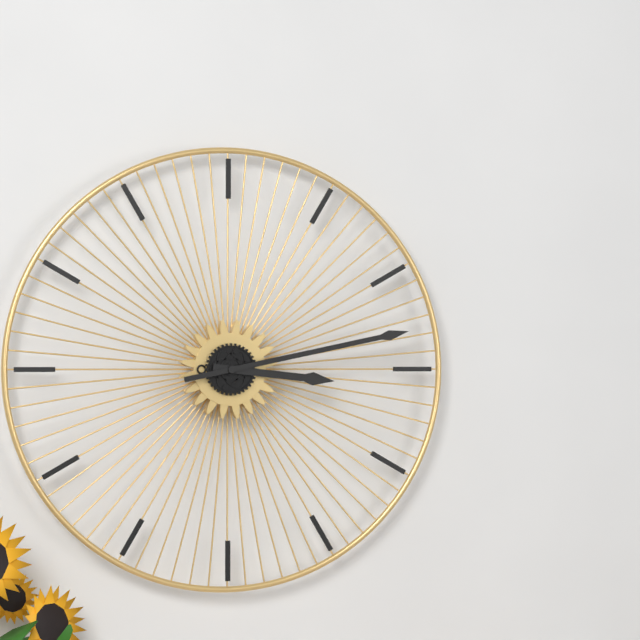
3:13
